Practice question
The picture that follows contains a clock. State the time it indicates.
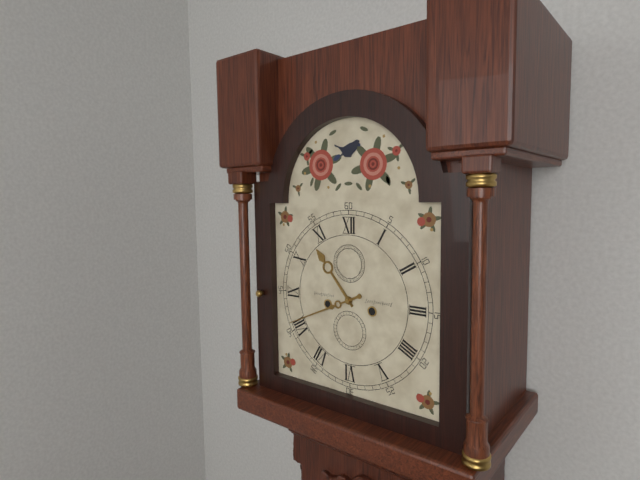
10:41
